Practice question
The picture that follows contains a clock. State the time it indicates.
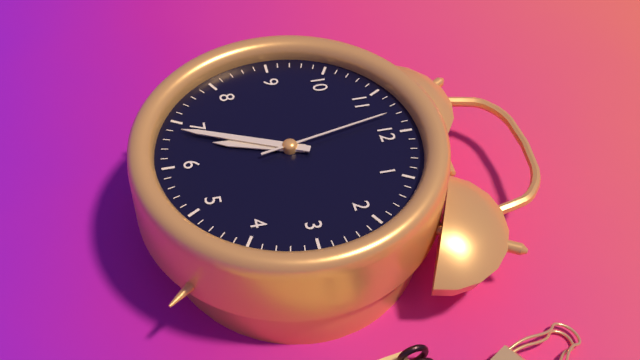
6:34:58
